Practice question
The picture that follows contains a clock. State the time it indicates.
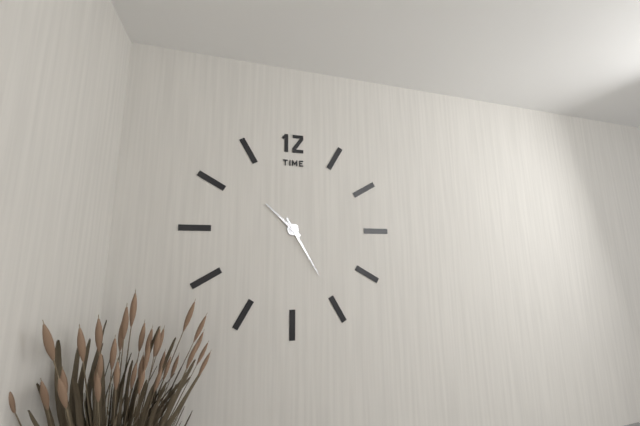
10:25
